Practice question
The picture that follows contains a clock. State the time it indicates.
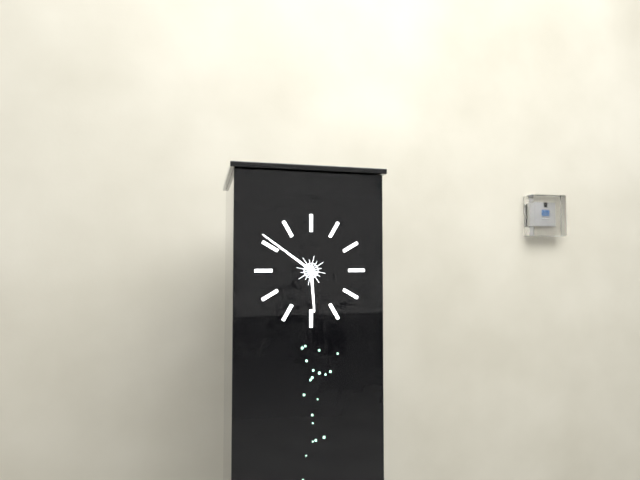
5:51
